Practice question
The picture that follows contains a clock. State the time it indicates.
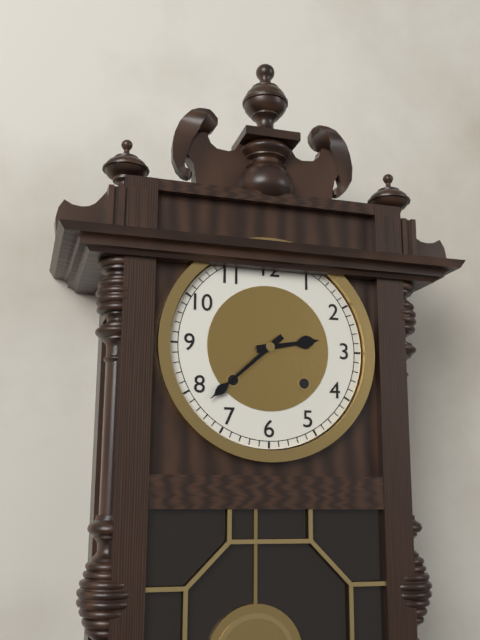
2:38
